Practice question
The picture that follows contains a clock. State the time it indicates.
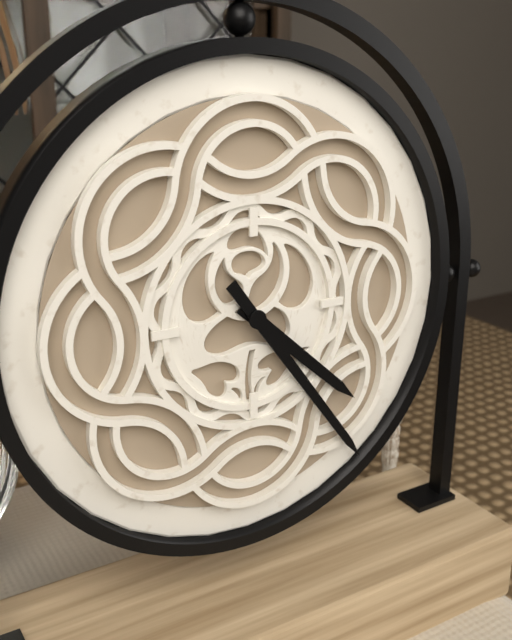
4:24
